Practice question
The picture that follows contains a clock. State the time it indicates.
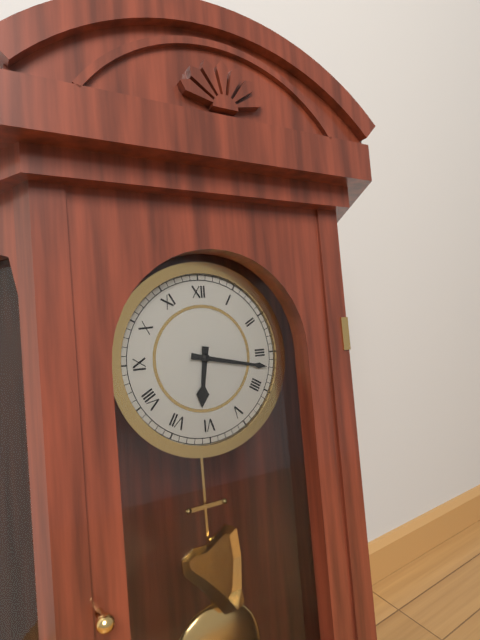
6:17
